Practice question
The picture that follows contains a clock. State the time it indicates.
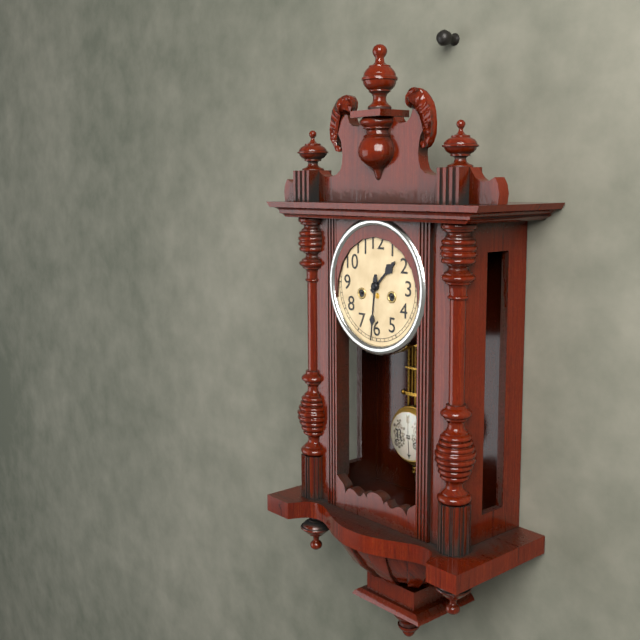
1:31
